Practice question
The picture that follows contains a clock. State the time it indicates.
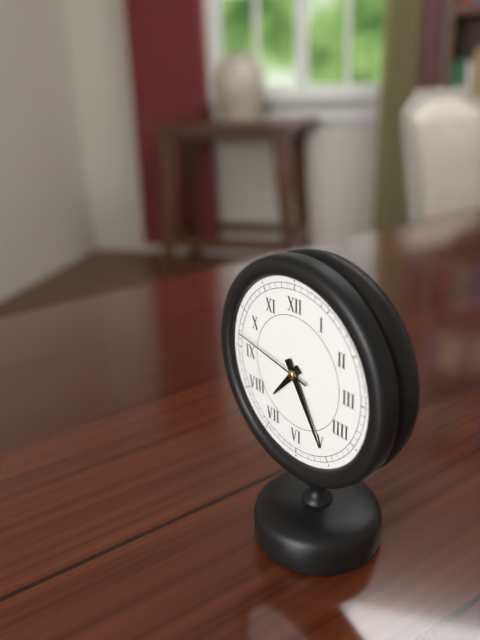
7:25:47
